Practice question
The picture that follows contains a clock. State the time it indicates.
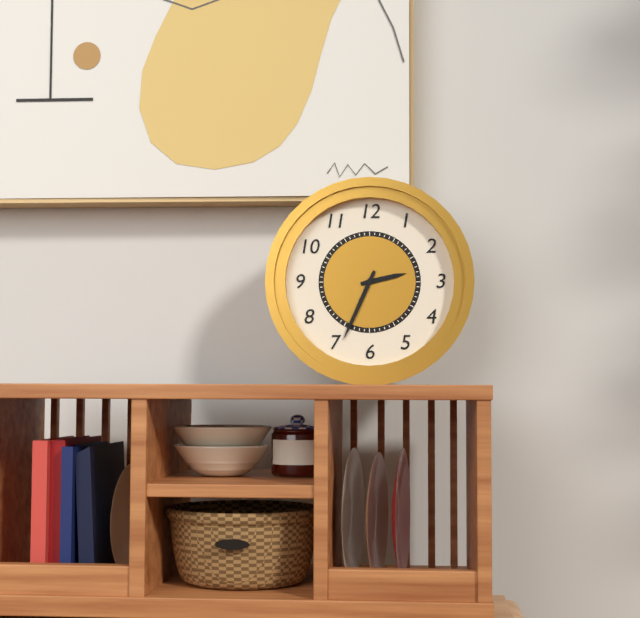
2:34
